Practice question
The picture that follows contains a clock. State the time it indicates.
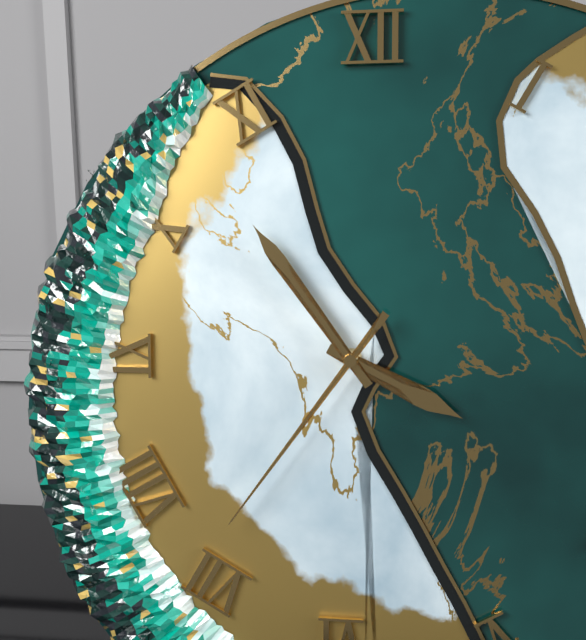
3:54:36
